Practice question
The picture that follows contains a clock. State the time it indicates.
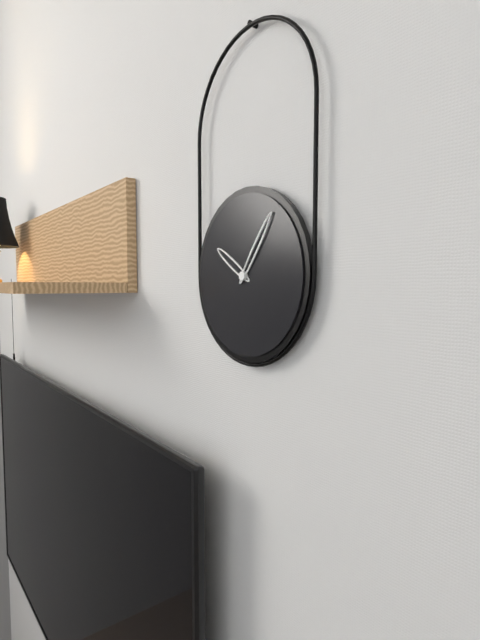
10:06
